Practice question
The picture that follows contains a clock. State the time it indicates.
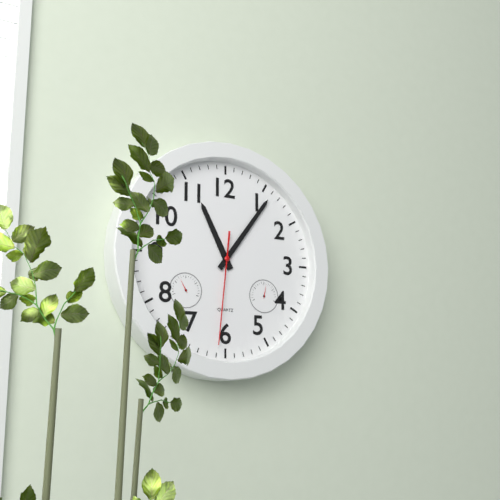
11:06:31
